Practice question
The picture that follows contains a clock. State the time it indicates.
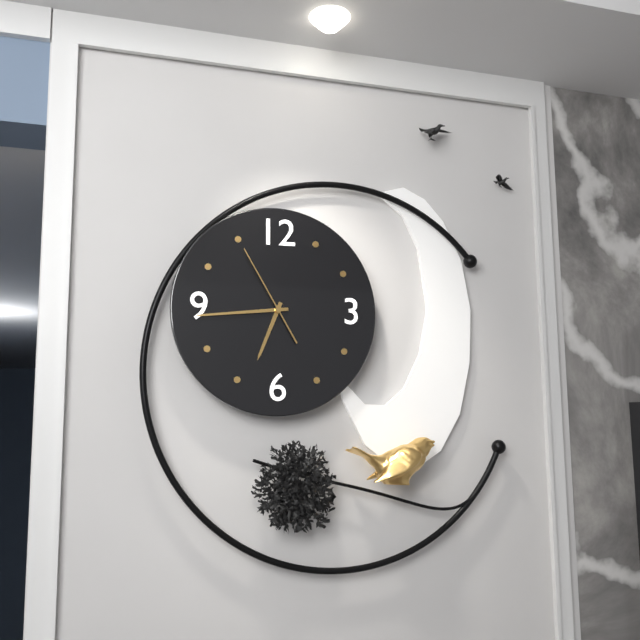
6:44:55
